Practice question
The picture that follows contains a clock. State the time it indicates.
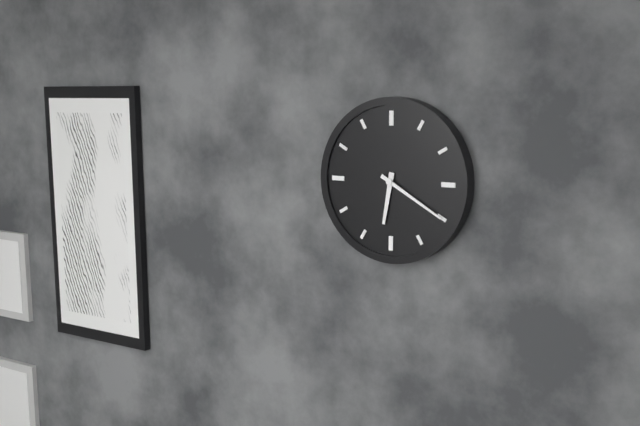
6:20
